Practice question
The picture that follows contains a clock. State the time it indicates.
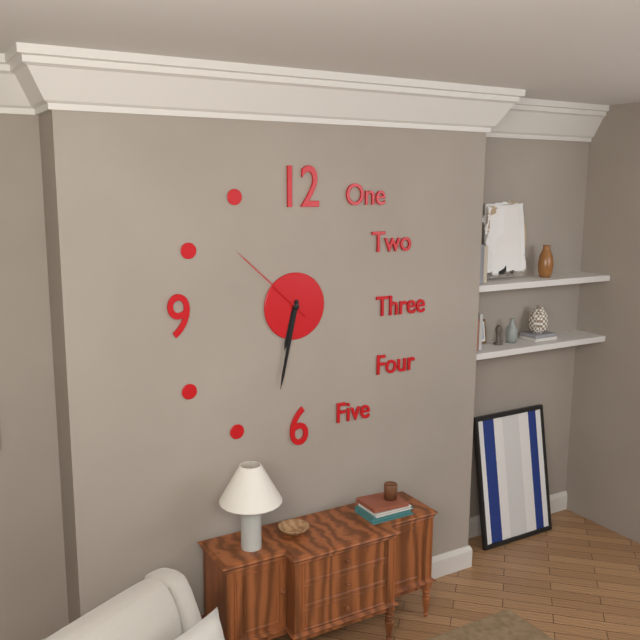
6:32:52
